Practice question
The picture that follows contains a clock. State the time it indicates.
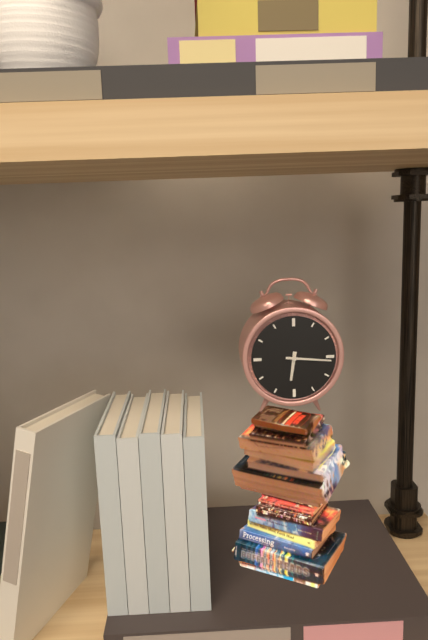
6:16
